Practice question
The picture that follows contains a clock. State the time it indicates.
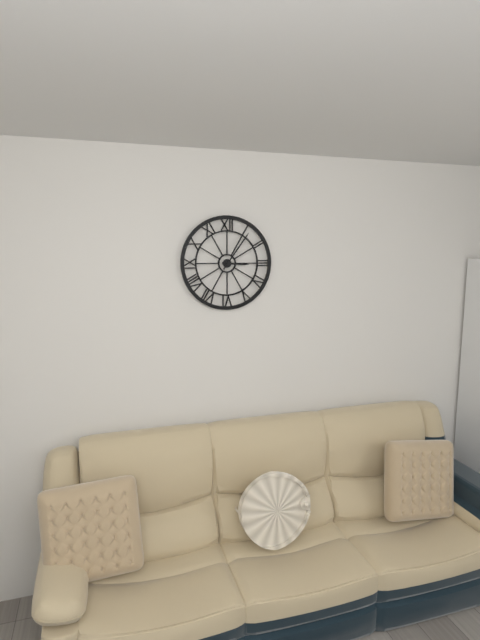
3:06
